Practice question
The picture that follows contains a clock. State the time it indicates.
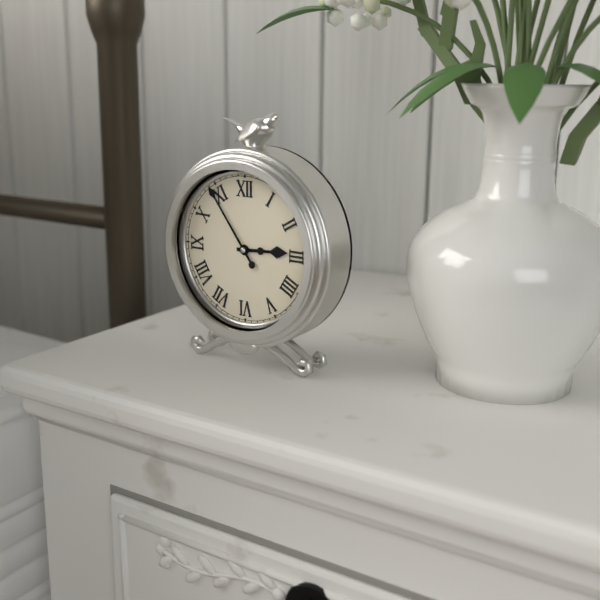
2:54
